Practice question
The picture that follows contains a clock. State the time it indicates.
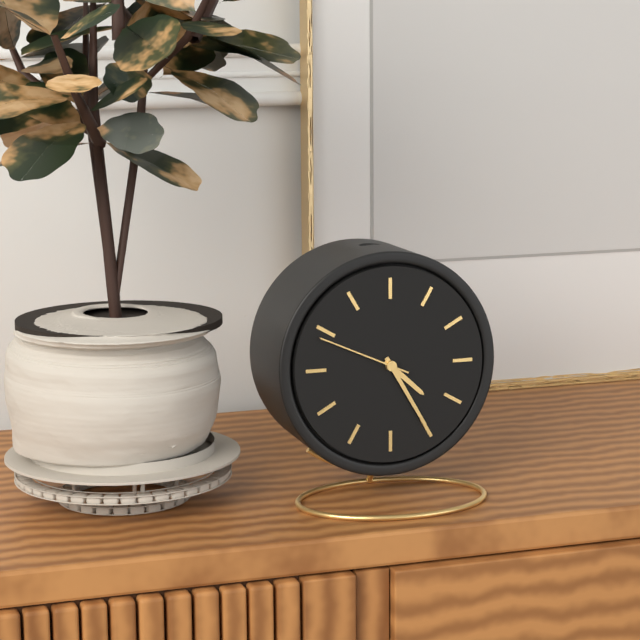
4:25:49
